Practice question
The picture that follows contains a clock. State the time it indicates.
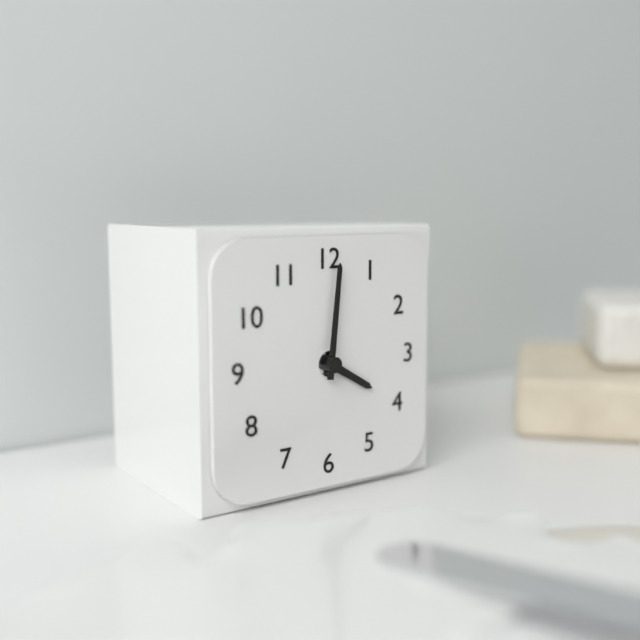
4:01
